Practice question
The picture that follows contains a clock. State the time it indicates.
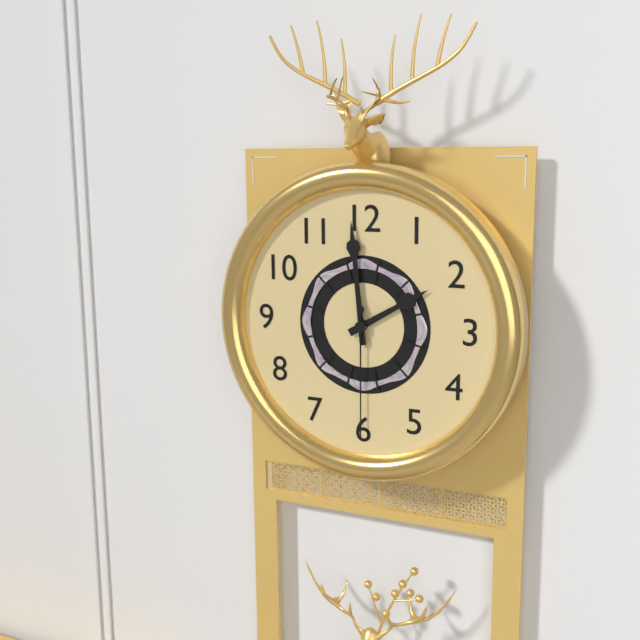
1:59:30
